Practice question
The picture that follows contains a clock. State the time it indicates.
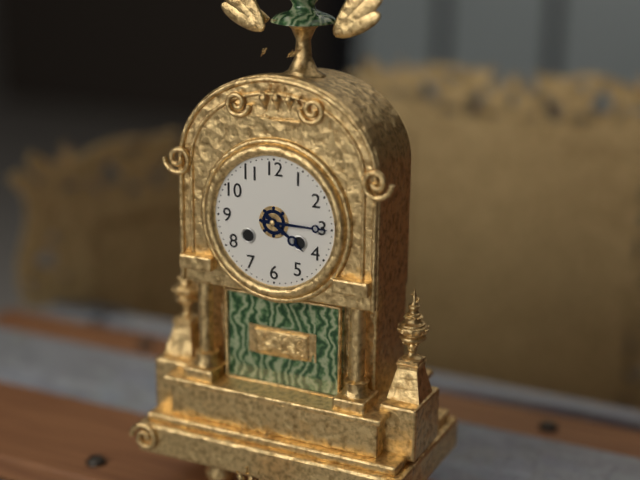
4:15
